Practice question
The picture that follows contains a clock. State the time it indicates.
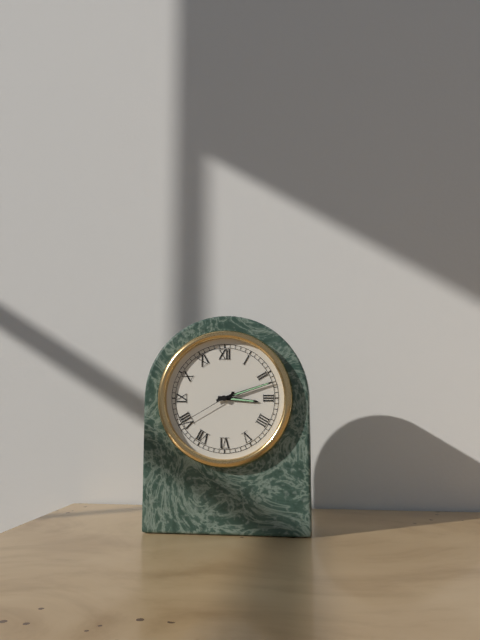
3:12:40
